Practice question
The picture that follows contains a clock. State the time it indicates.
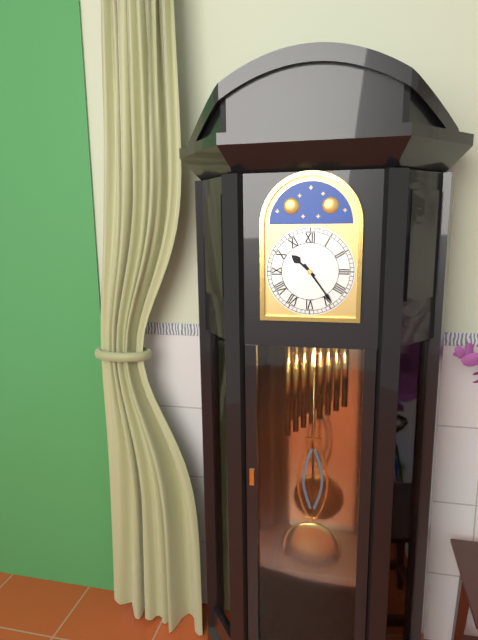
10:24
